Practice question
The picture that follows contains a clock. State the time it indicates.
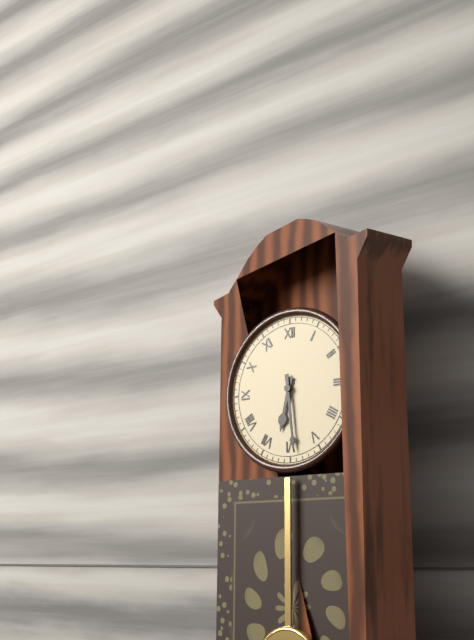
6:29
